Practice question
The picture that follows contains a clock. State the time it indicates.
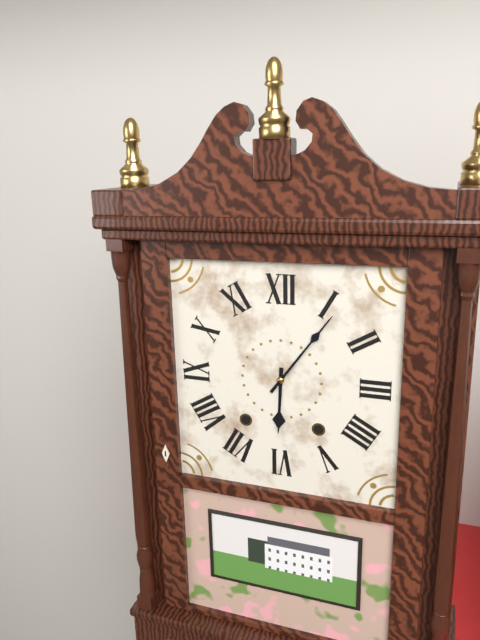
6:06
